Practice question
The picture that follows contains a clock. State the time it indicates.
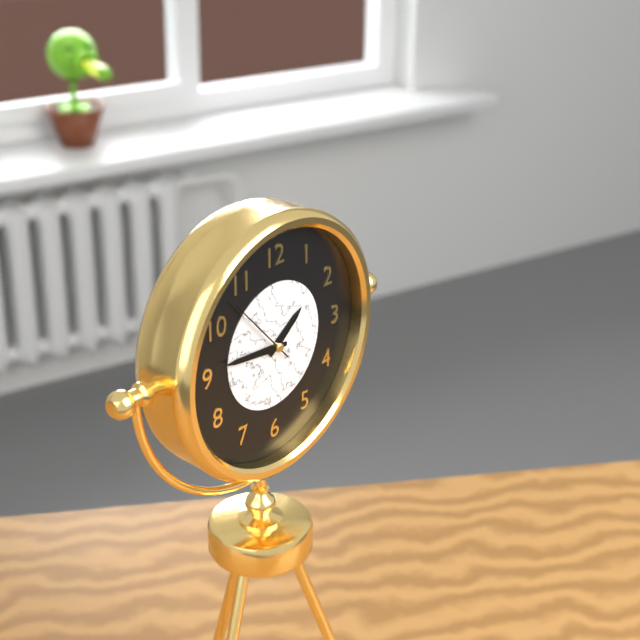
1:46:53
